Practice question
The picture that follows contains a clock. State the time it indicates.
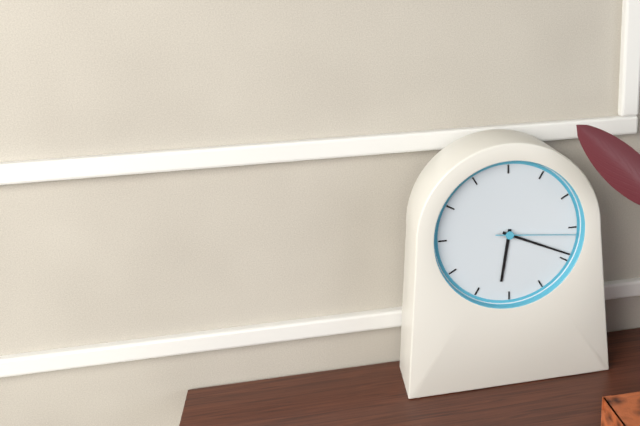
6:19:16
